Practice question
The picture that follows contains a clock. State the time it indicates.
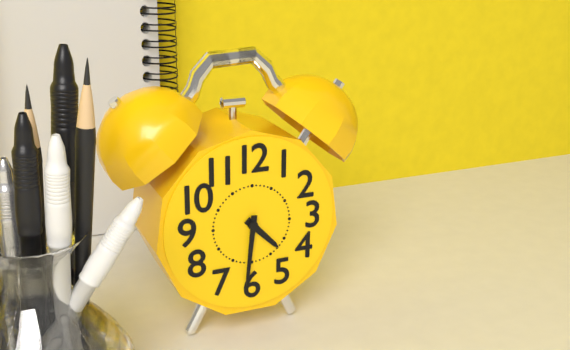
4:31
